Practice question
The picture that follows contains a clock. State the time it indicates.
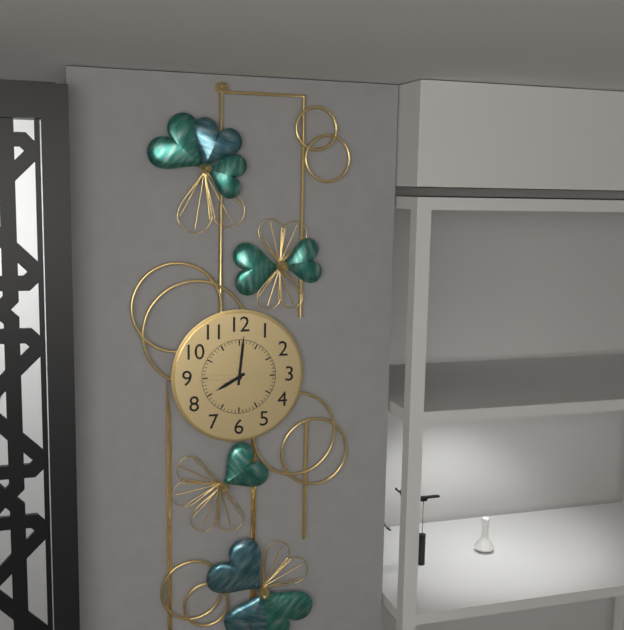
8:01
